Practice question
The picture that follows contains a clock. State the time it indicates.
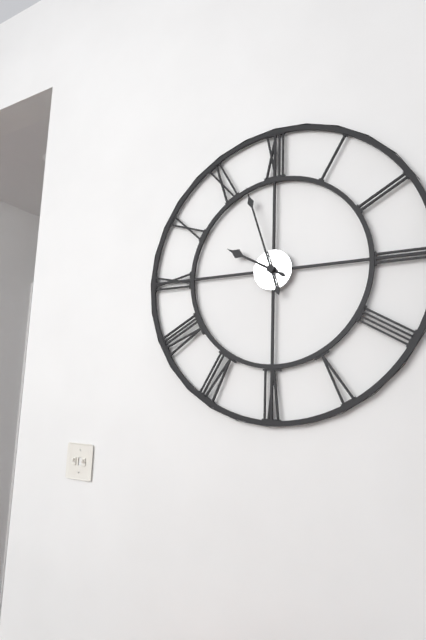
9:57
